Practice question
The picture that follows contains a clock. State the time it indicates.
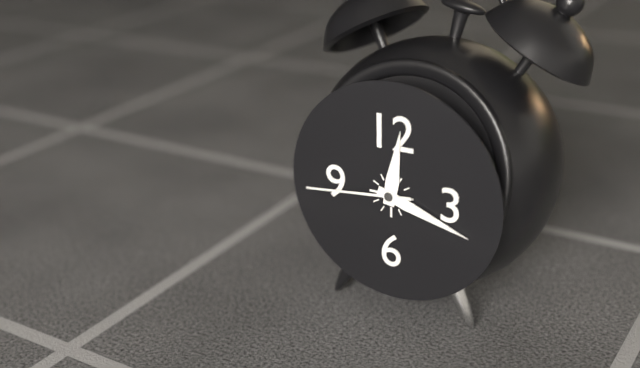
12:18:44
